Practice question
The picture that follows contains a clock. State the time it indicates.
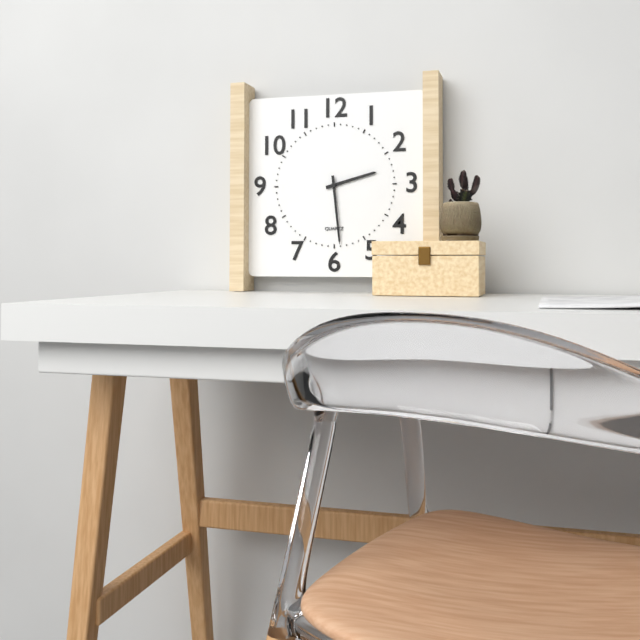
2:29
